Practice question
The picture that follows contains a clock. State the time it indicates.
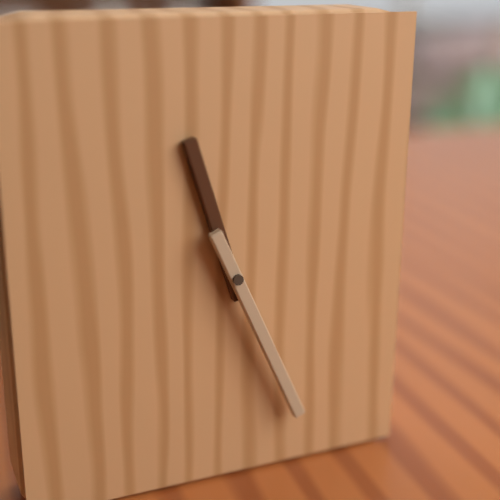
11:26
